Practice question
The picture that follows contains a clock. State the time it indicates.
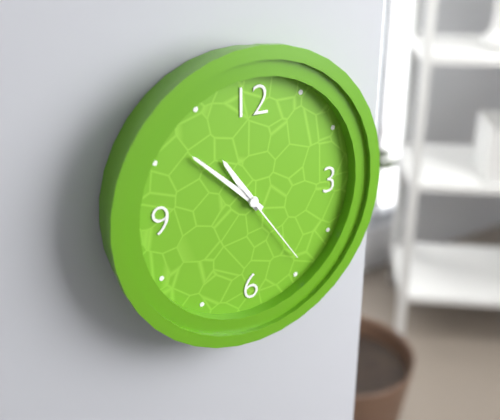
10:52:24
